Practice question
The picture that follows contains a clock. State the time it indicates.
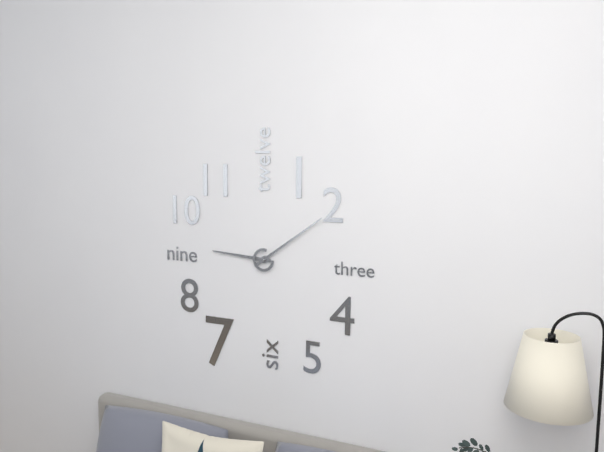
9:09
